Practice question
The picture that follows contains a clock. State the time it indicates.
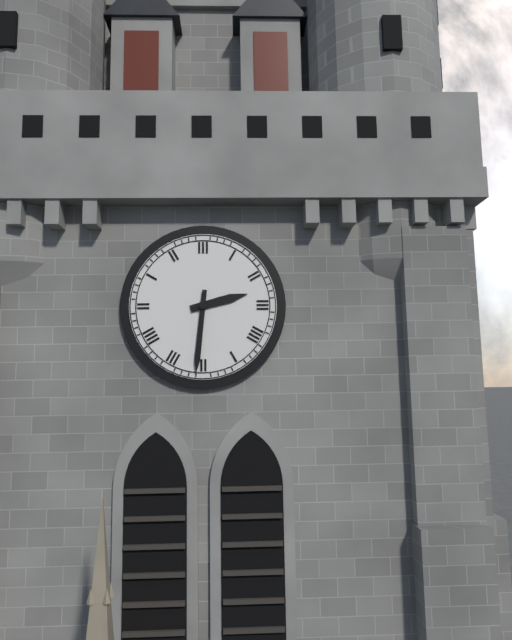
2:31
